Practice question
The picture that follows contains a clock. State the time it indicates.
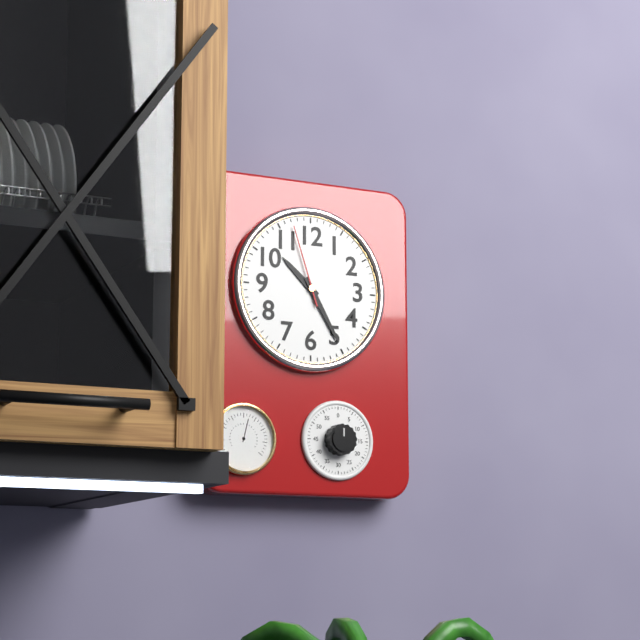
10:25:57
